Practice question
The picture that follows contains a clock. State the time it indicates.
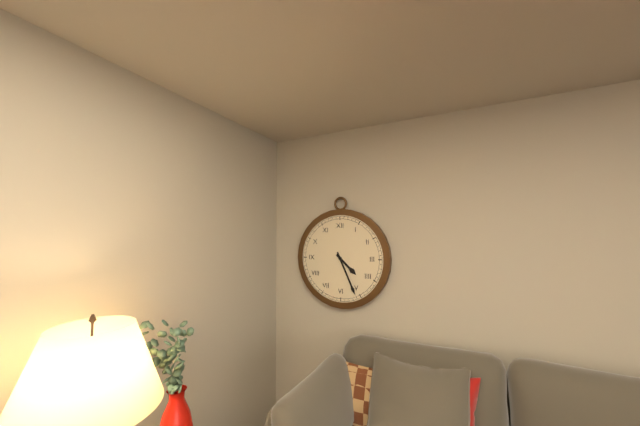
4:26
